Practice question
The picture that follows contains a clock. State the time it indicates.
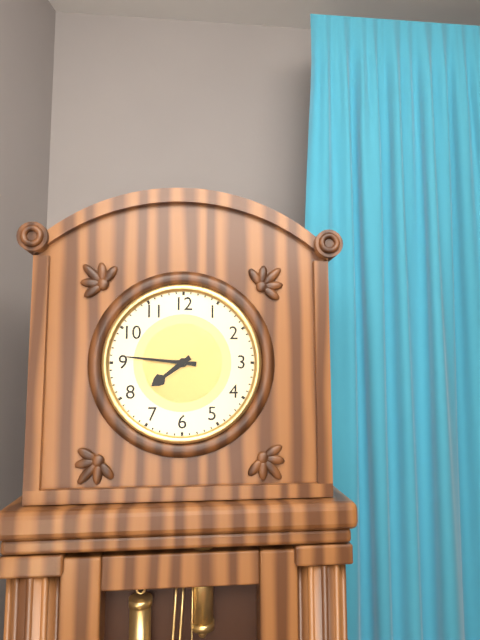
7:46
